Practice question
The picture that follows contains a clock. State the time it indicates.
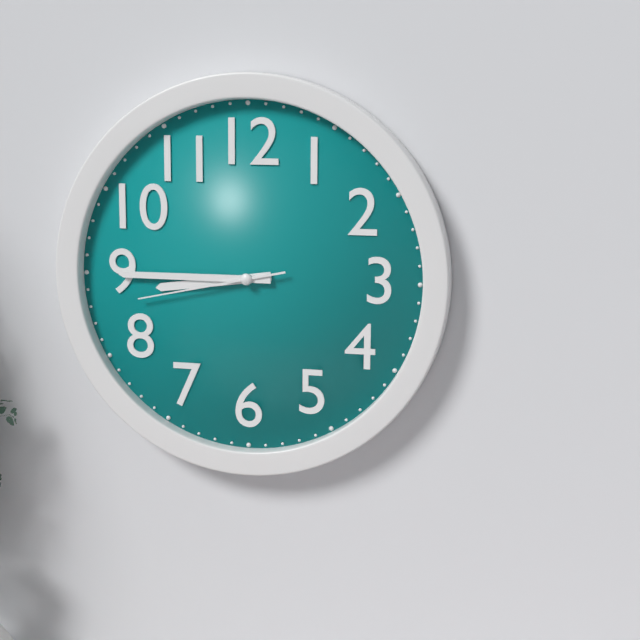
8:45:43
